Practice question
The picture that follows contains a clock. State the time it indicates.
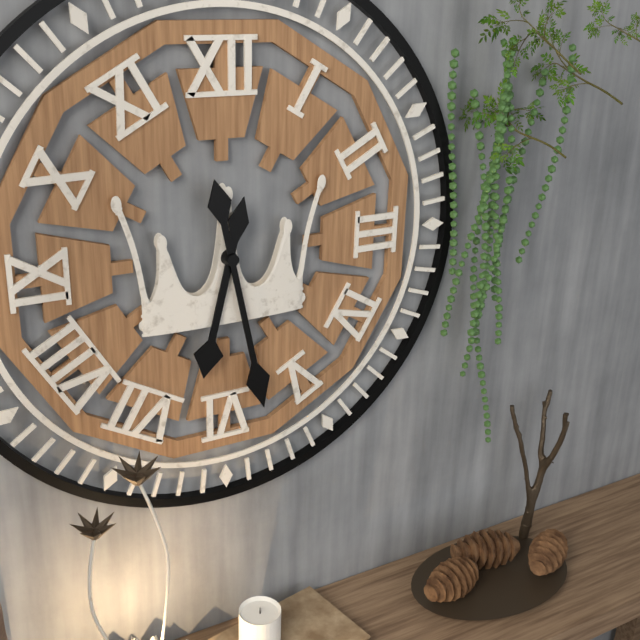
6:28
